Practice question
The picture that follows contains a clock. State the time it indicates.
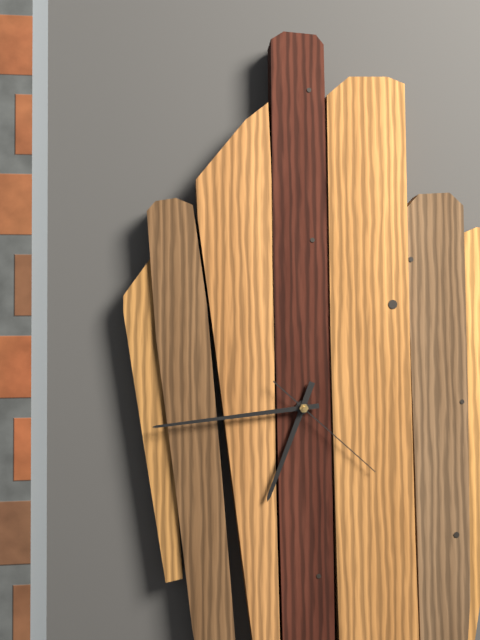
6:44:22
